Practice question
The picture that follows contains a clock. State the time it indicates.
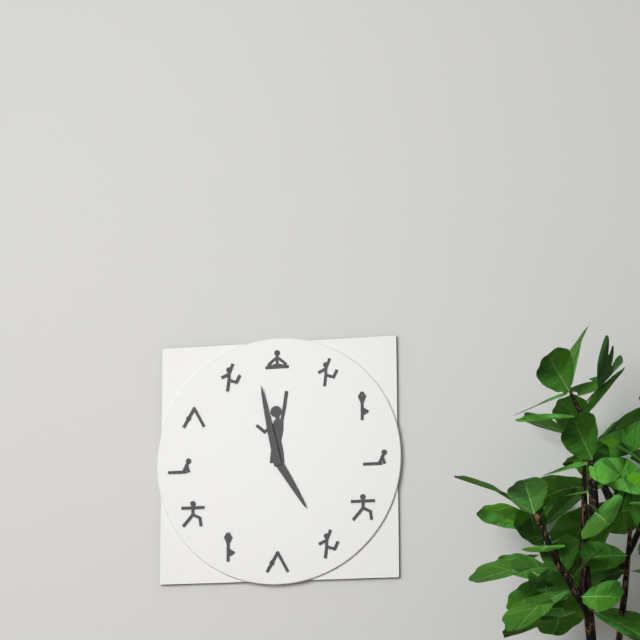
4:58
